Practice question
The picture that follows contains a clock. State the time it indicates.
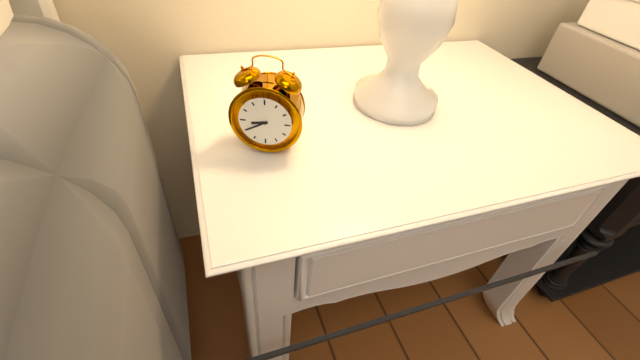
8:40
